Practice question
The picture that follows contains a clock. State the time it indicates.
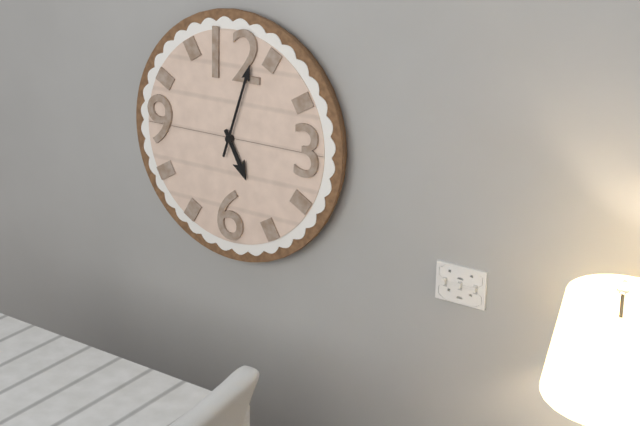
5:03
